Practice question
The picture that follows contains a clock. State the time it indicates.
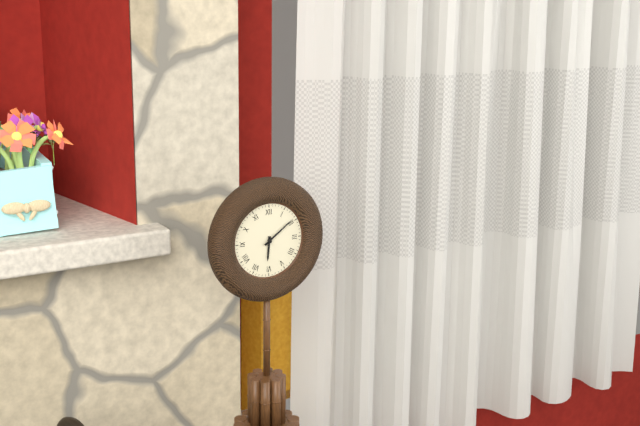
6:09
